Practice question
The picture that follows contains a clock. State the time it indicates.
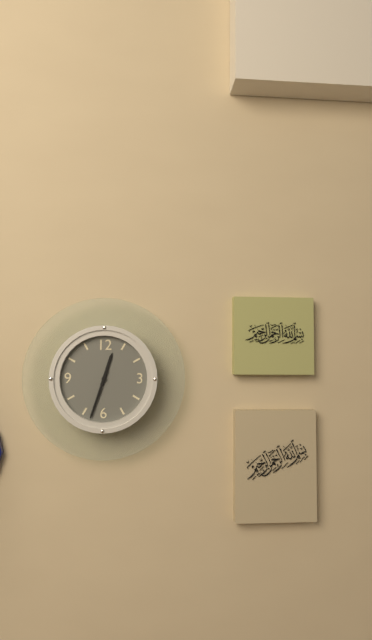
12:33
